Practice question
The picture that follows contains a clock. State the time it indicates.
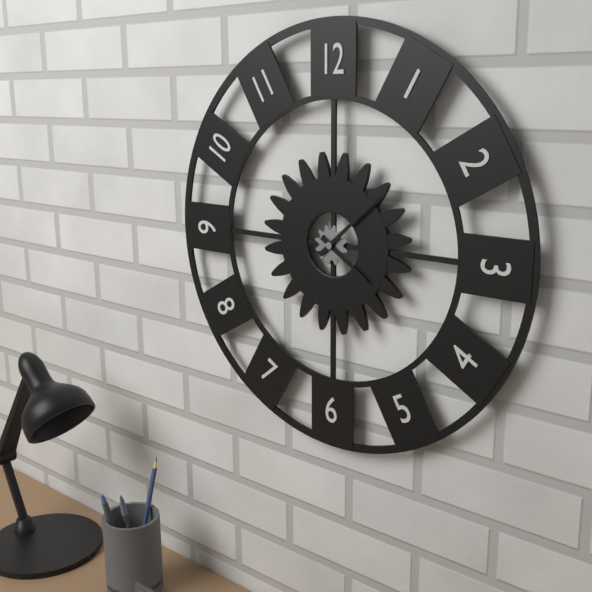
4:08
